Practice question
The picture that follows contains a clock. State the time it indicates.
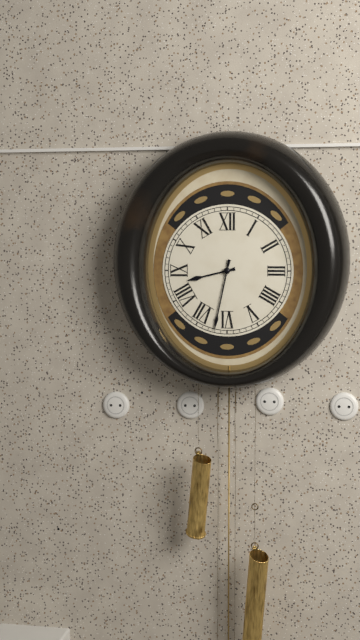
8:32
